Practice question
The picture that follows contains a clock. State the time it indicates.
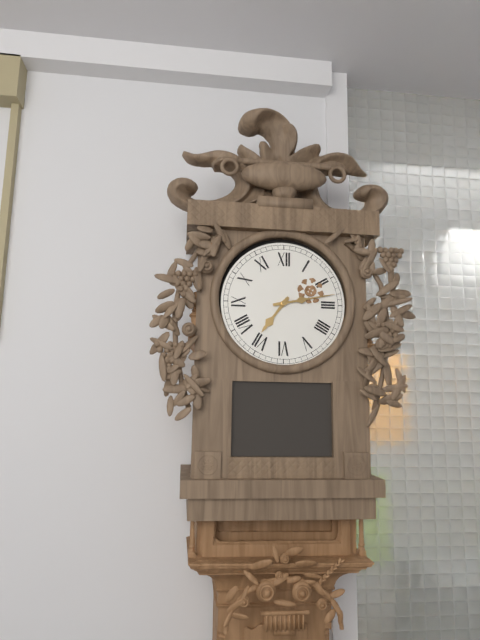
7:13
